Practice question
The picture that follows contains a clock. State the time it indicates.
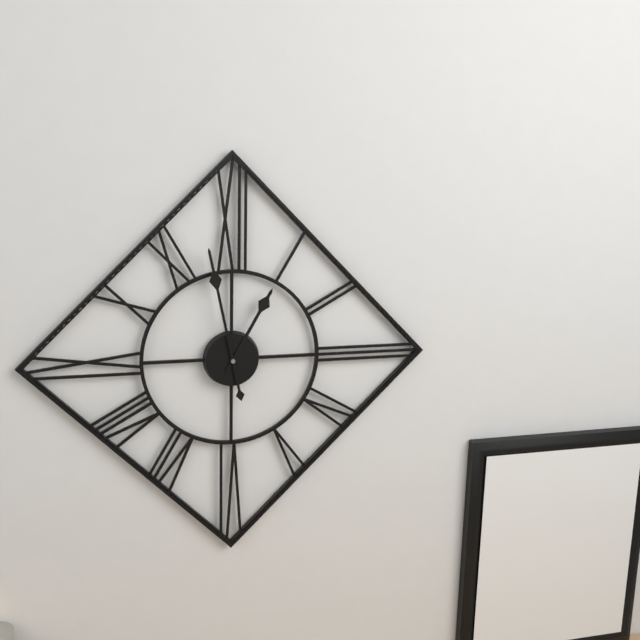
12:58
